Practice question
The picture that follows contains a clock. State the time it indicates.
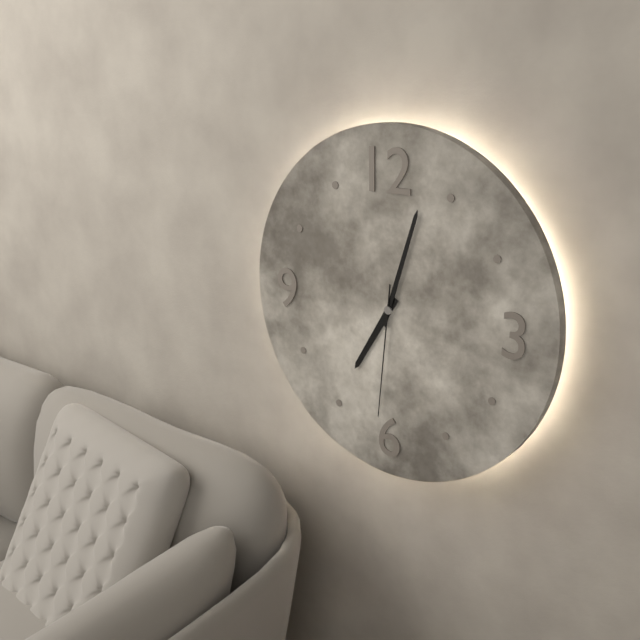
7:03:31
